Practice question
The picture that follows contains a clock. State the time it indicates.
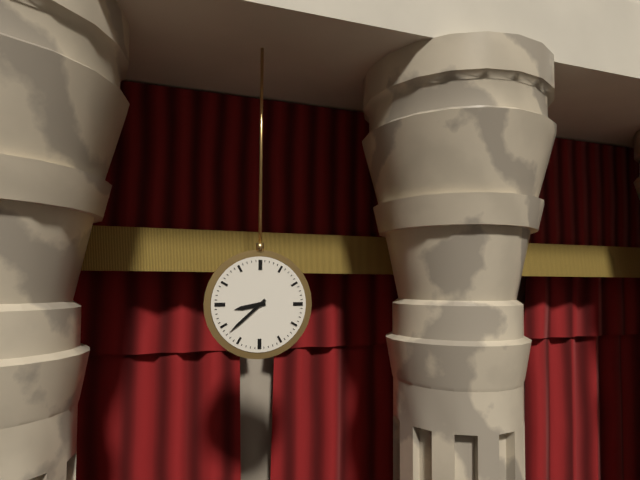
8:38
